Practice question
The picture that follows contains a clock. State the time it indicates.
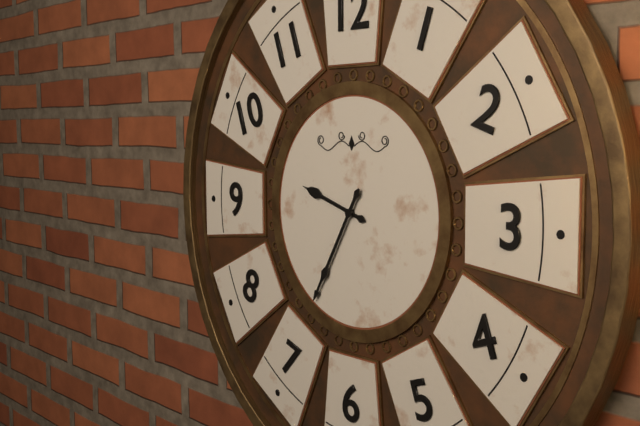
9:35
